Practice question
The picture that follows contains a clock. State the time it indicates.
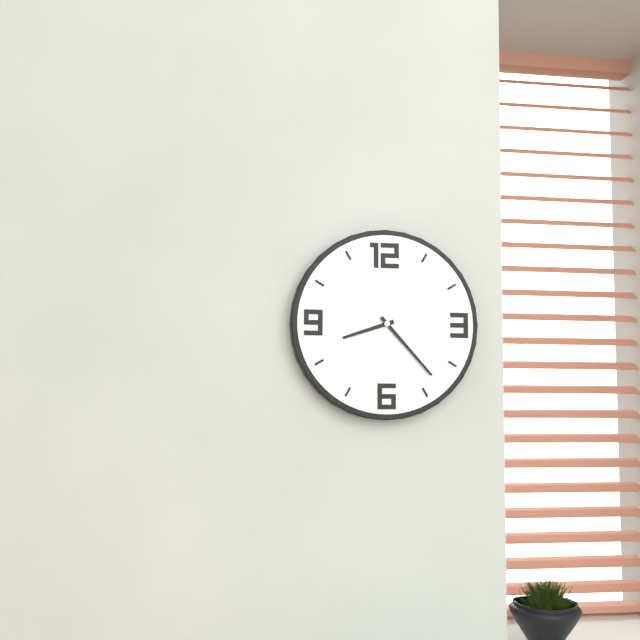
8:23
